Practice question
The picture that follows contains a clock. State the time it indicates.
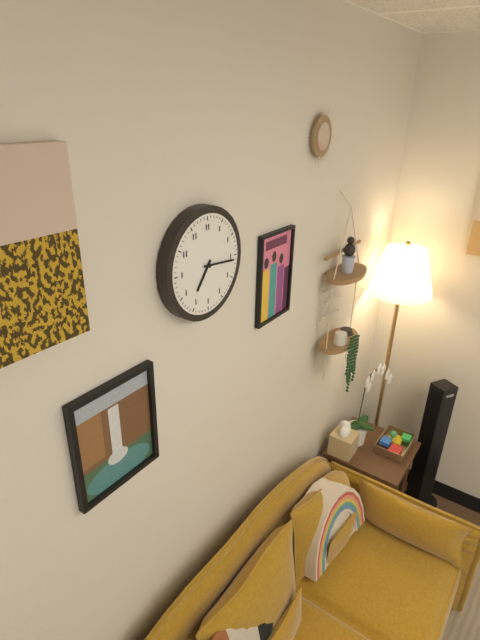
7:16
